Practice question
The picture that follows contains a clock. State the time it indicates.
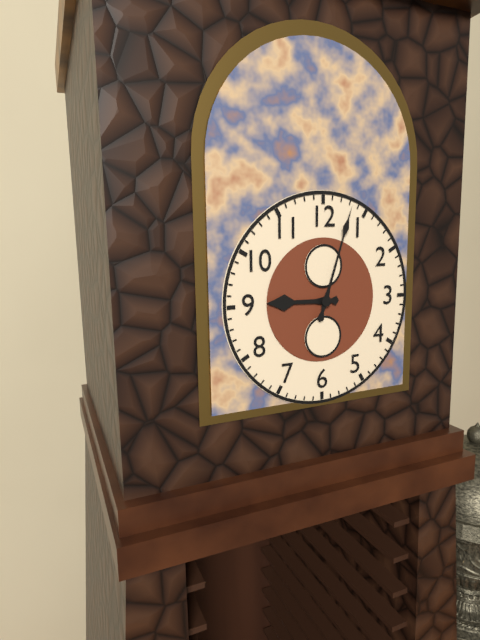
9:03
